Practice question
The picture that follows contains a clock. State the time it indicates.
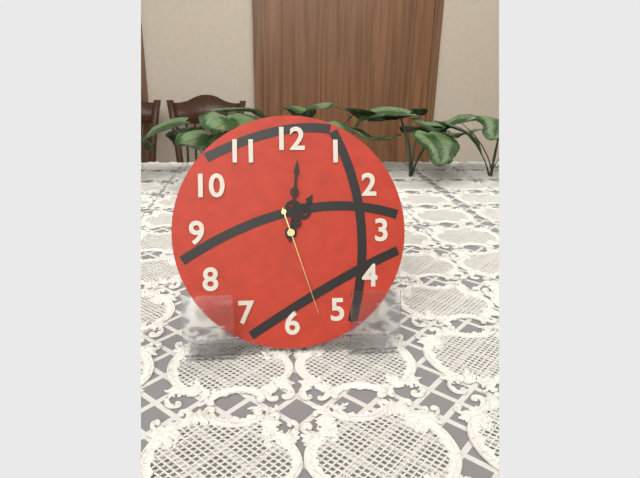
1:01:27
